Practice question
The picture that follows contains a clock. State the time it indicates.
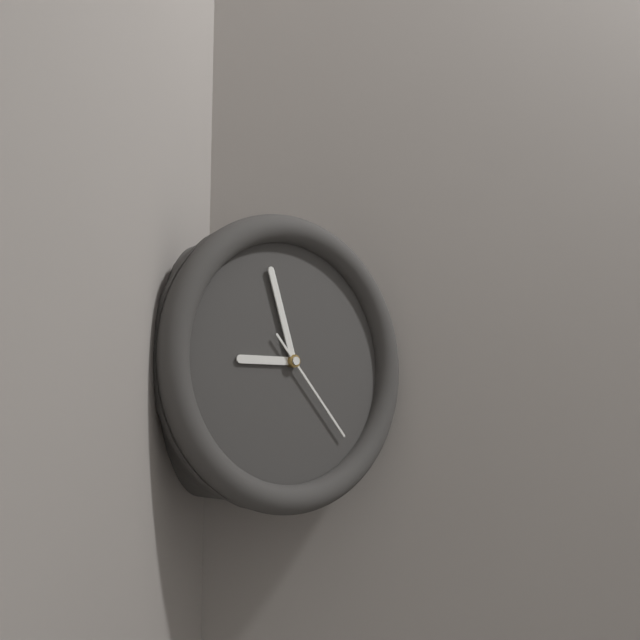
8:57:23
